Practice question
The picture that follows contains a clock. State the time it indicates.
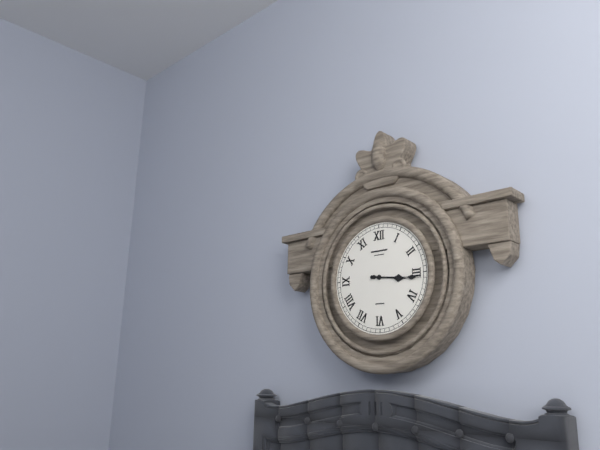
3:16
